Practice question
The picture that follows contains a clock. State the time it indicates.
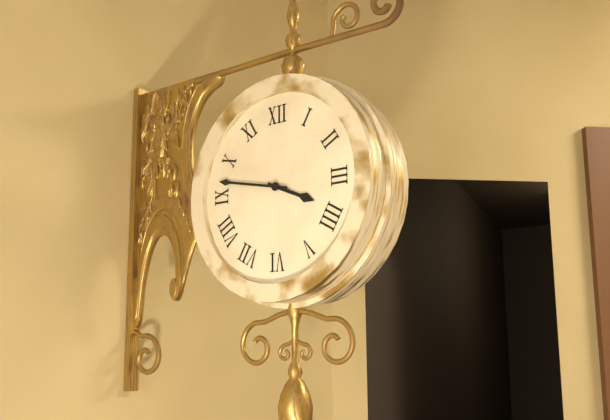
3:47
